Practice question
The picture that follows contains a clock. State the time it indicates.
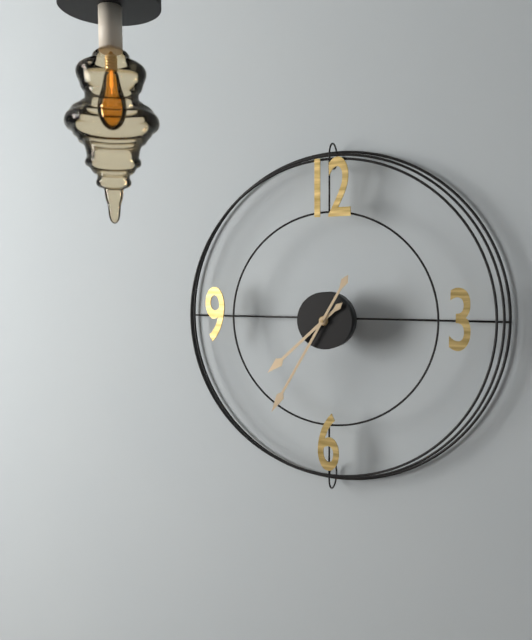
7:35
